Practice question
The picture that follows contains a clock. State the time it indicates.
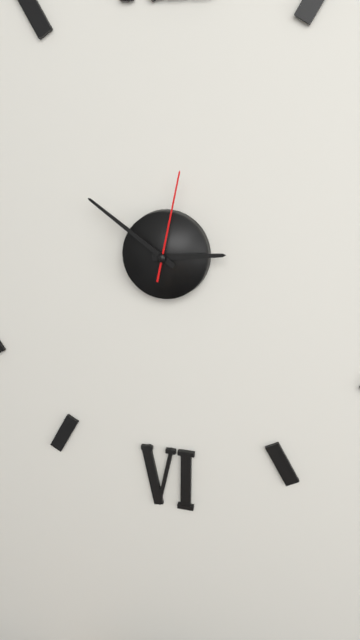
2:51:02
